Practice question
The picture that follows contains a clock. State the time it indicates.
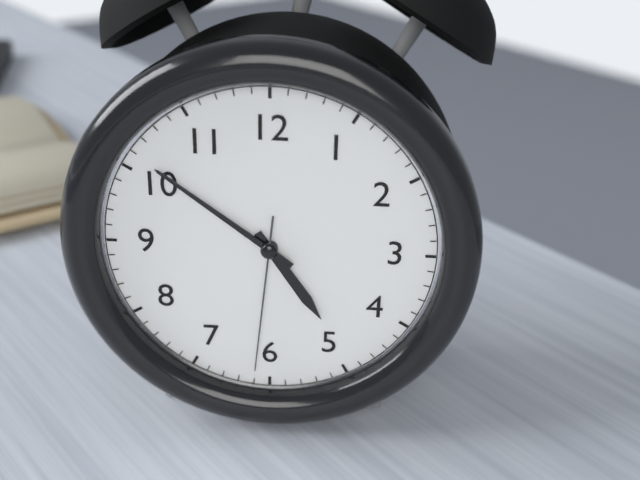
4:51:31
